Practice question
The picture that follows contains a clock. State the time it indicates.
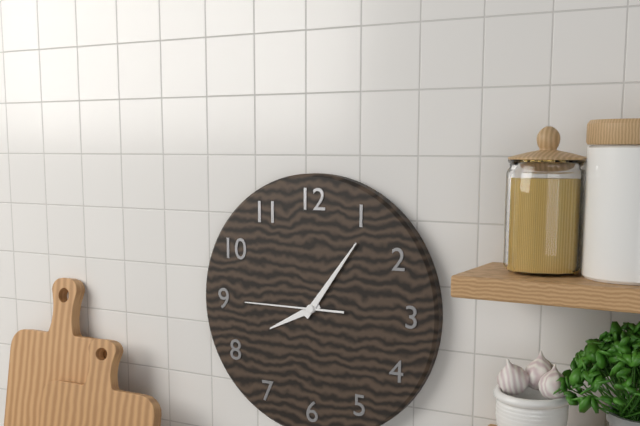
8:06:45
